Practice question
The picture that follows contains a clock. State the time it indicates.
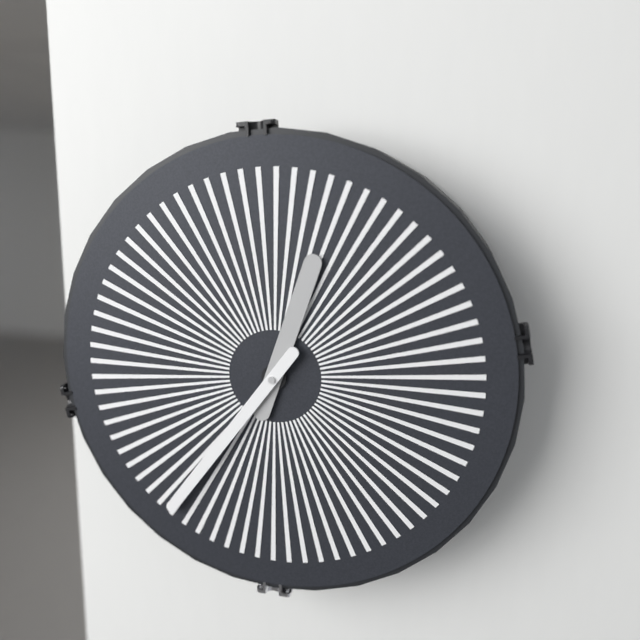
12:36
